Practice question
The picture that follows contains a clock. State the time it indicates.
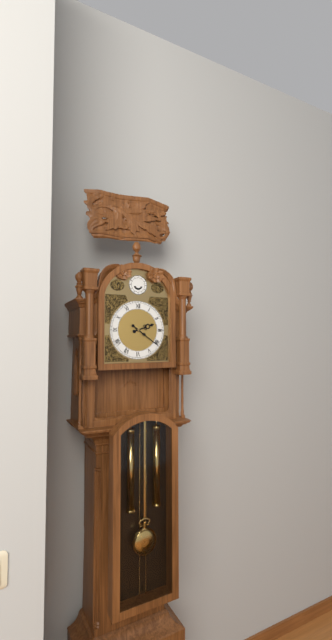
2:21
